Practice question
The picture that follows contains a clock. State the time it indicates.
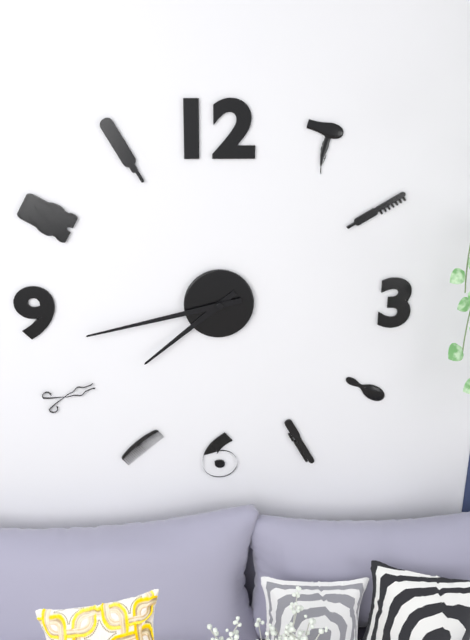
7:43
